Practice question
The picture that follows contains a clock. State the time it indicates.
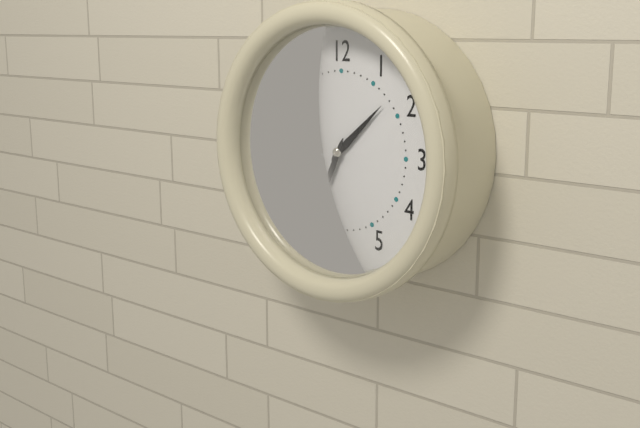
1:34
